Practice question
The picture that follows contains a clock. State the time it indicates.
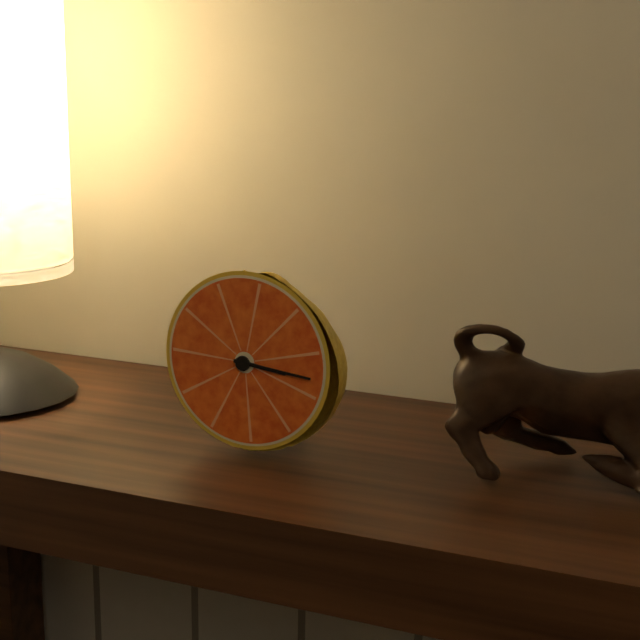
3:16
